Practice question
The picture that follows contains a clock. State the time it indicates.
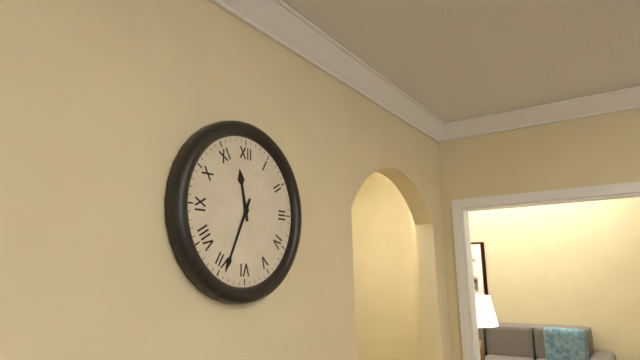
11:34
